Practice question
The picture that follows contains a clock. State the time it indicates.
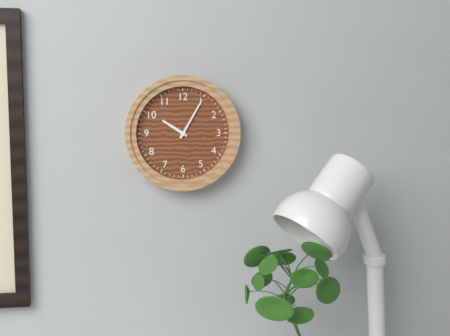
10:05
